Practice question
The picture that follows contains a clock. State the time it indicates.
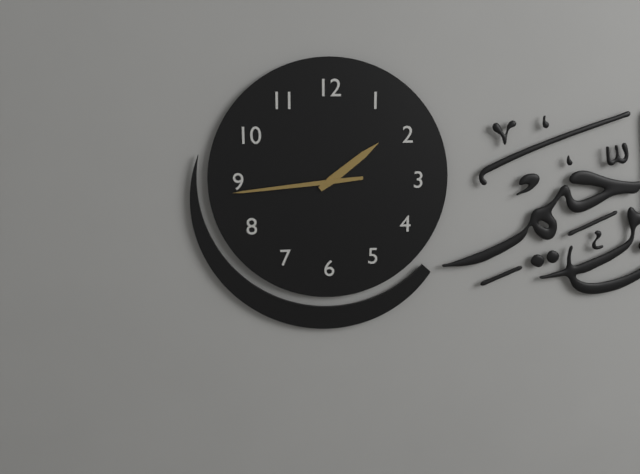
1:44
